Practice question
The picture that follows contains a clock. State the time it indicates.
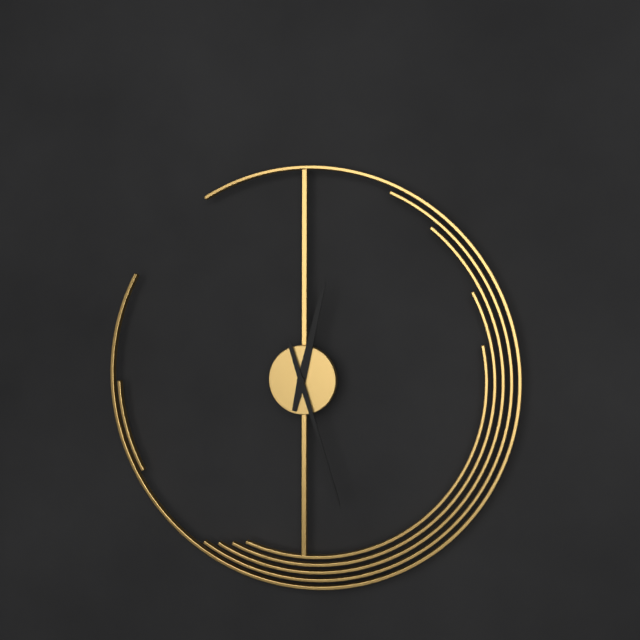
12:27
